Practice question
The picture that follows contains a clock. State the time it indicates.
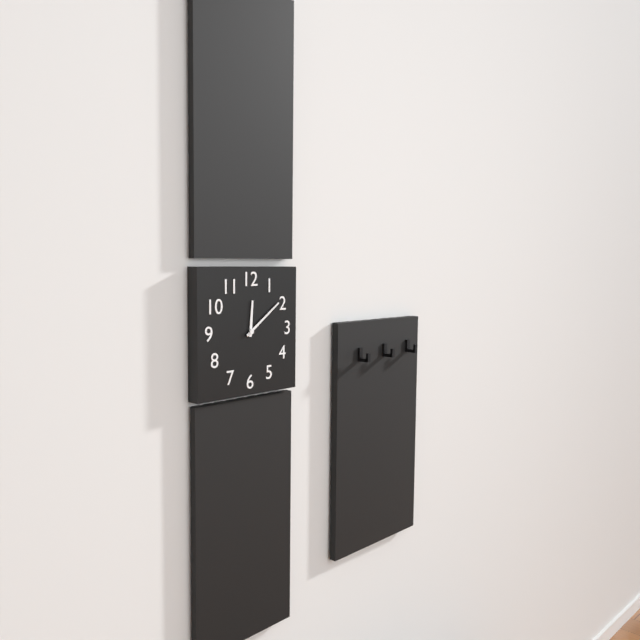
12:09
